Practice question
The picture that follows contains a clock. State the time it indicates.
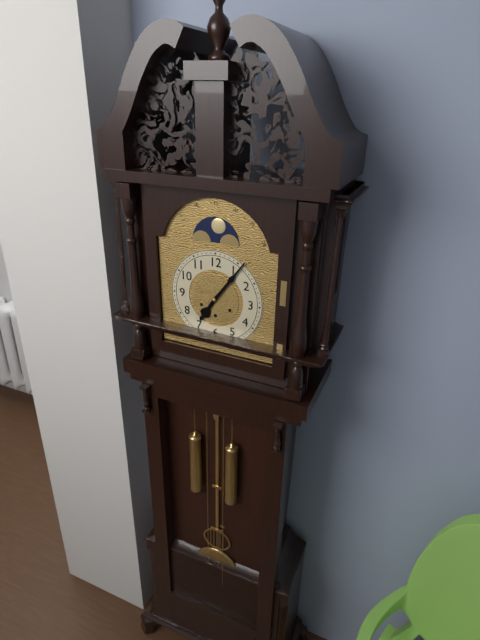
7:06
